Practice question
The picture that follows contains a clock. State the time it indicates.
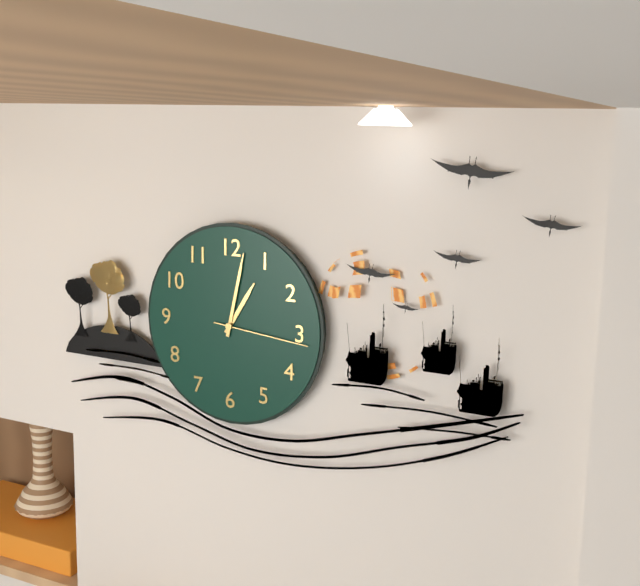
1:02:16
